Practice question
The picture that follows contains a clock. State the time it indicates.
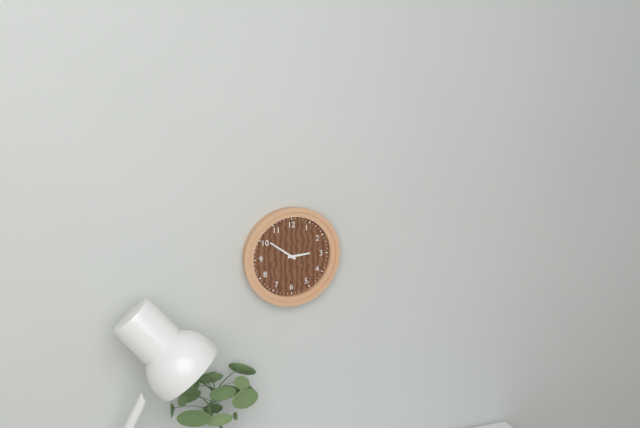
2:51
